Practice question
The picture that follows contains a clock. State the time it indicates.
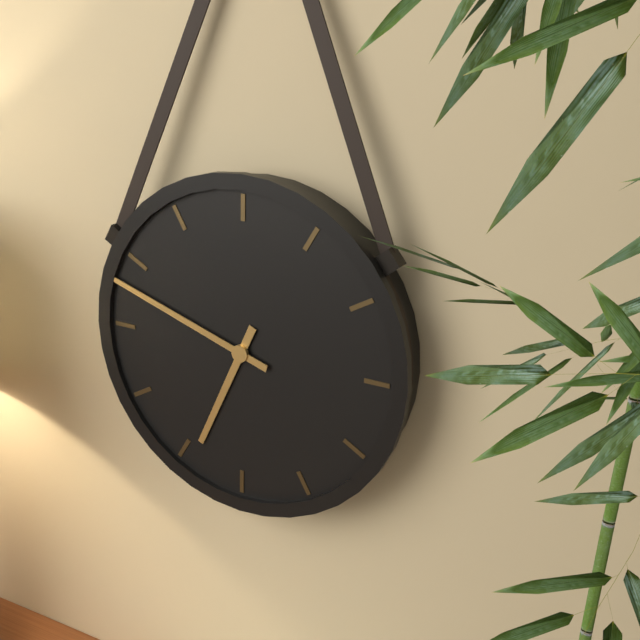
6:48
